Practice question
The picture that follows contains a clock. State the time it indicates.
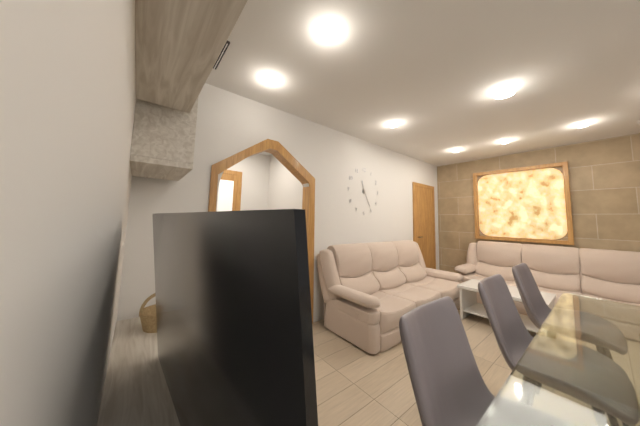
11:25
